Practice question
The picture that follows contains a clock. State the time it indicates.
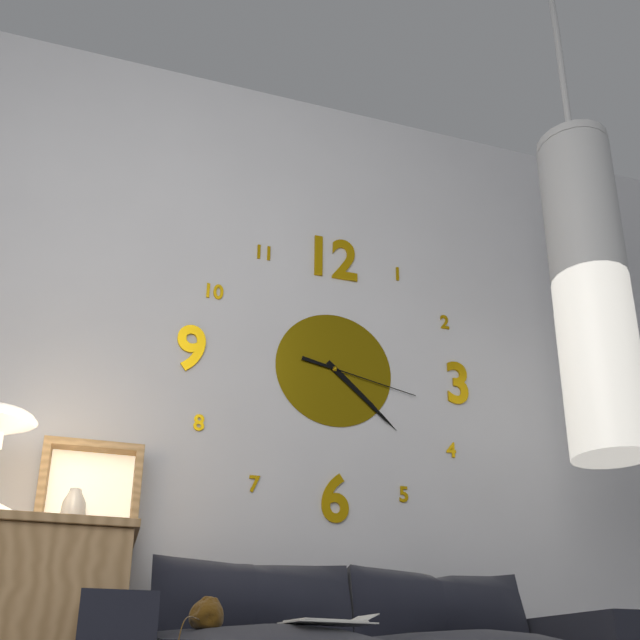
4:22:17
